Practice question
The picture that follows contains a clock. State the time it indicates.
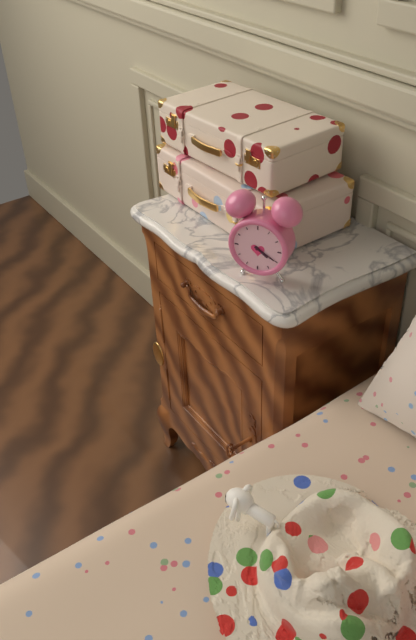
4:20
